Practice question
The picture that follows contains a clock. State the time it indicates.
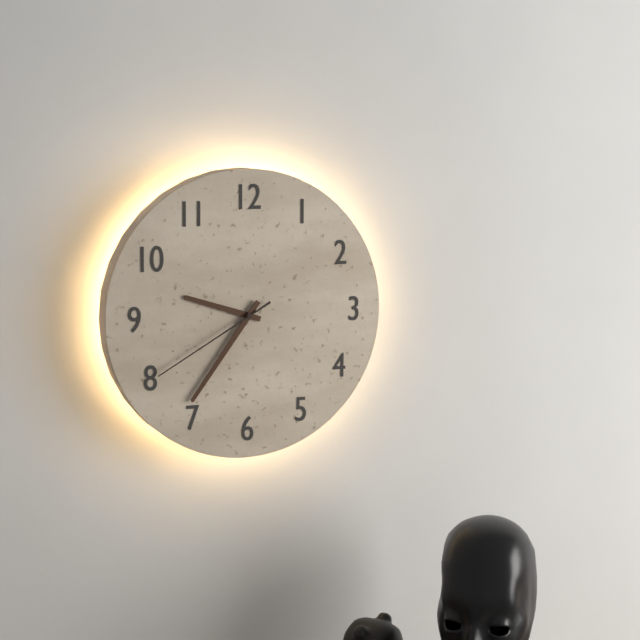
9:36:40
